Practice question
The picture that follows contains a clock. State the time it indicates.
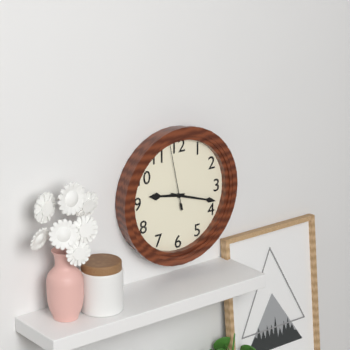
9:18:58
